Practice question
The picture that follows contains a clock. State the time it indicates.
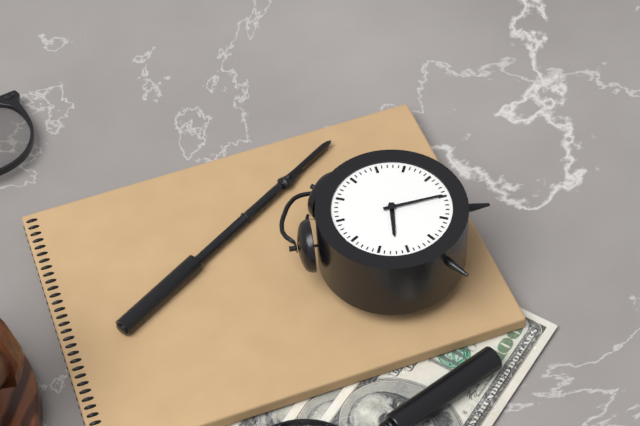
8:25
